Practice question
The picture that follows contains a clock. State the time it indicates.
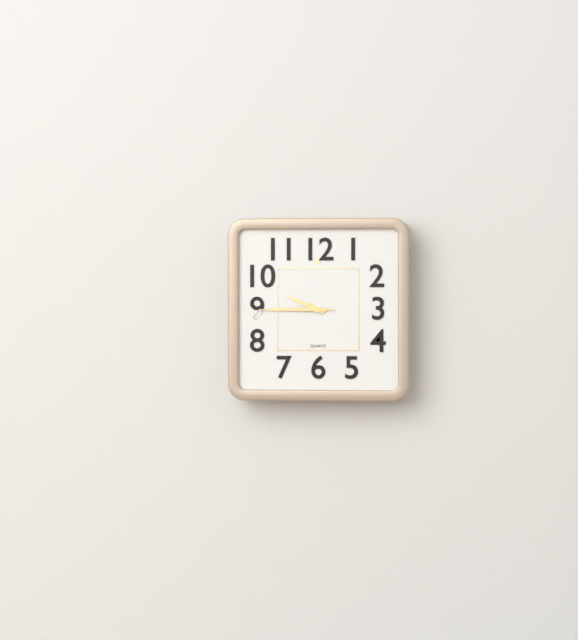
9:45:45
